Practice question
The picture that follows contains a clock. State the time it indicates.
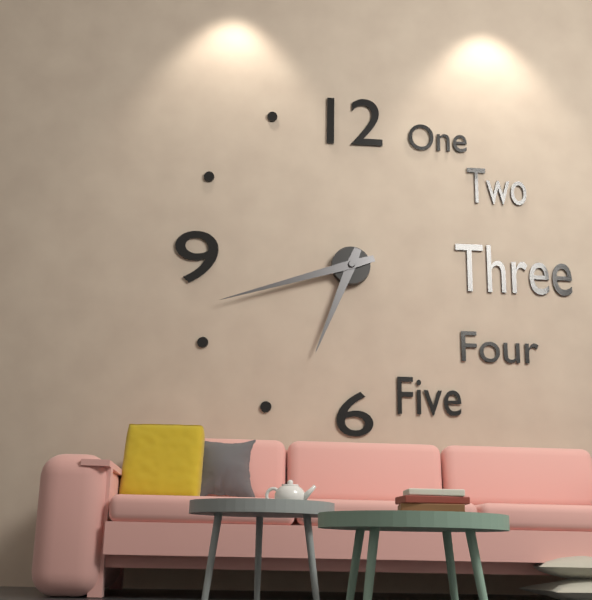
6:42
